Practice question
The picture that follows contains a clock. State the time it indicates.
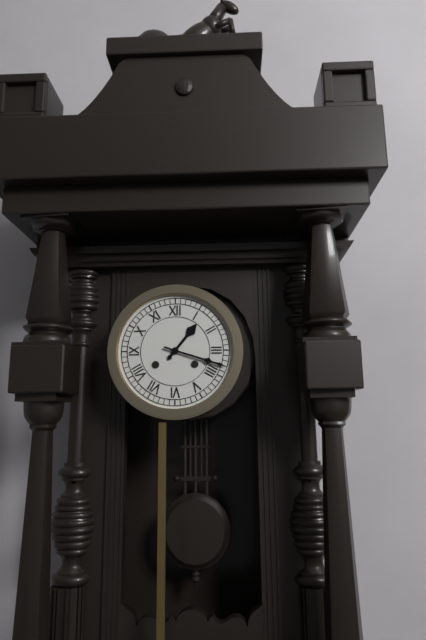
1:18
